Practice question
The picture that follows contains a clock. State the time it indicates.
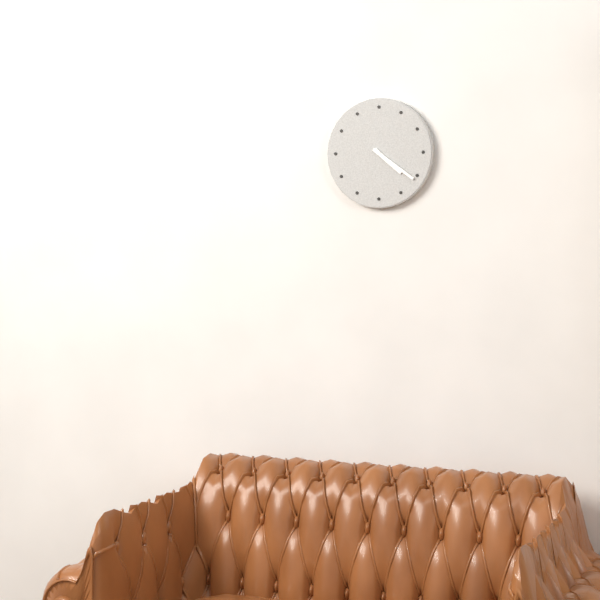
4:21
